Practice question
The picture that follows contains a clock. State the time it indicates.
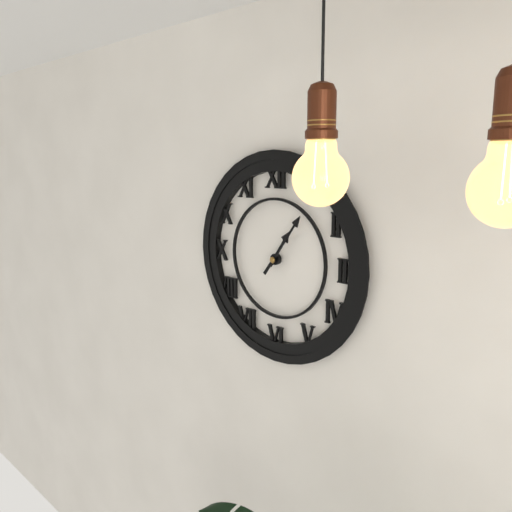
1:06
